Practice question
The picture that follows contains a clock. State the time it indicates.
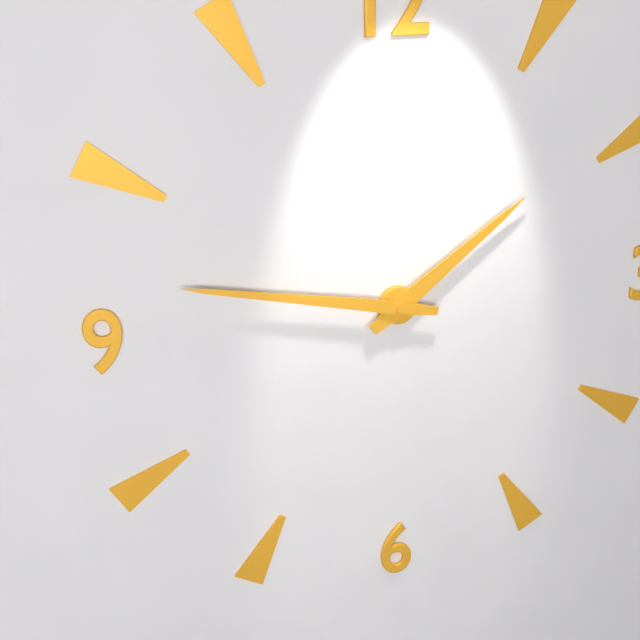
1:47
